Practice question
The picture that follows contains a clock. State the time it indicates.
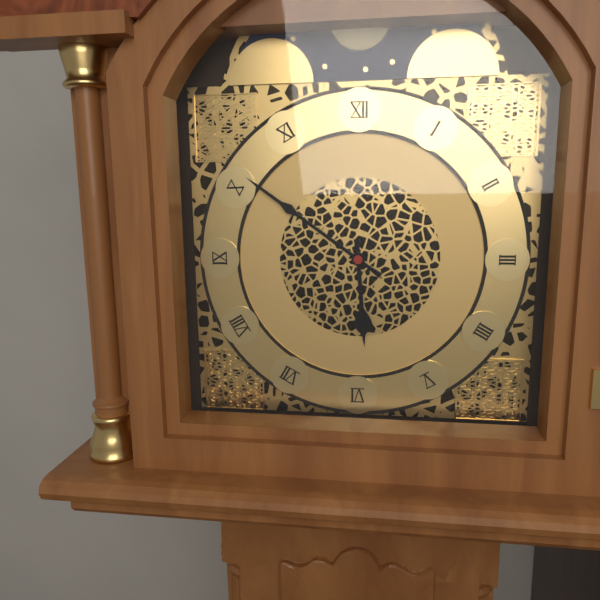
5:51
